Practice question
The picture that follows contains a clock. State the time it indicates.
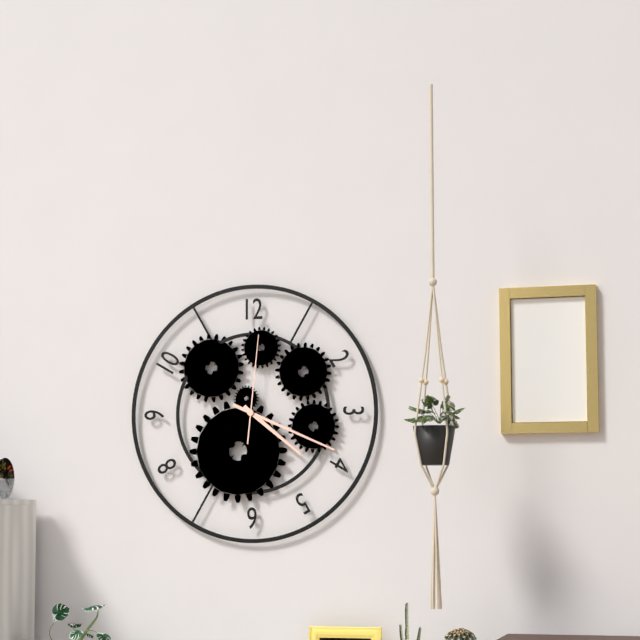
4:19:01
